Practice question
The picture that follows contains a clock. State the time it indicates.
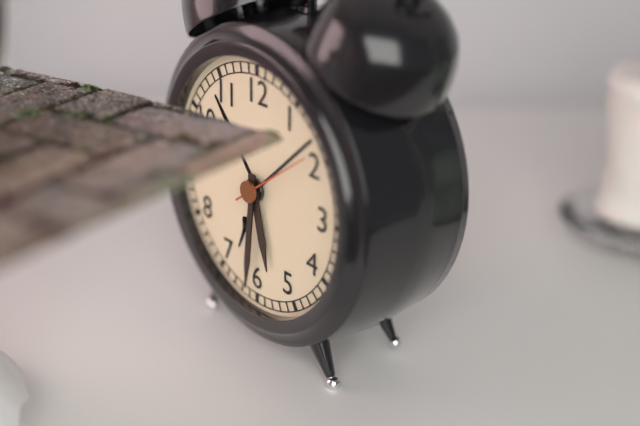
5:31:09
